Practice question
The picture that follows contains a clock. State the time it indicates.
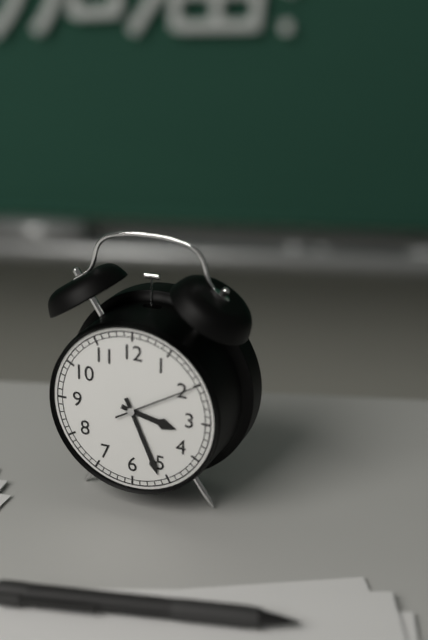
3:26:10
